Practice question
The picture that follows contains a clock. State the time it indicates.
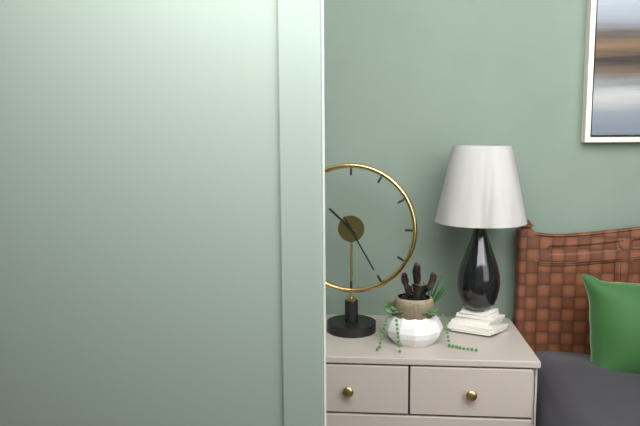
10:25
